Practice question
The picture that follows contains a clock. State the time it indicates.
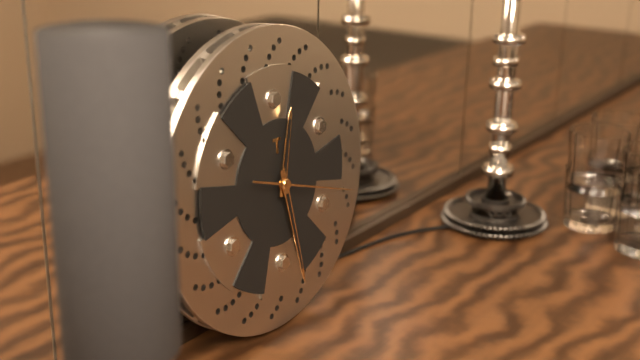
12:28:18
